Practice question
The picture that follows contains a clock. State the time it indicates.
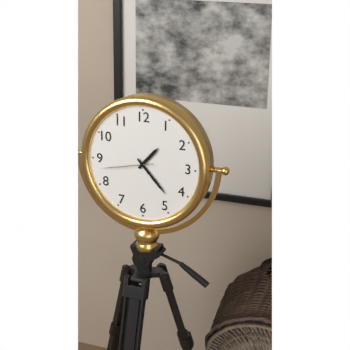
1:23:43
